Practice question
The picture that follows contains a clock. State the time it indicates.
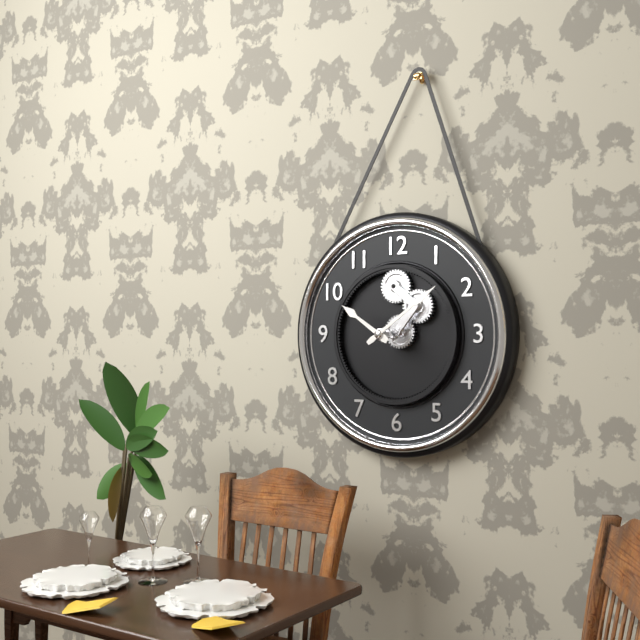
10:09
